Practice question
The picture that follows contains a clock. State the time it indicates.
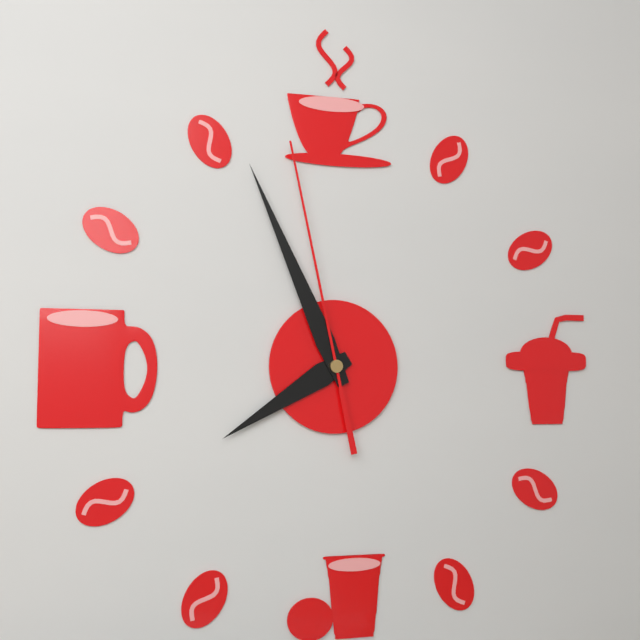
7:56:58
